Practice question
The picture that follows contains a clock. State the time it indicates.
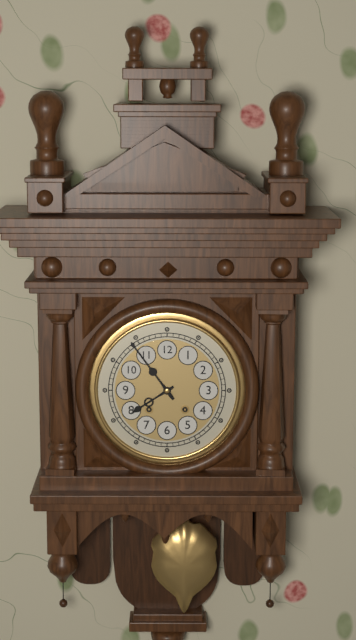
7:54
